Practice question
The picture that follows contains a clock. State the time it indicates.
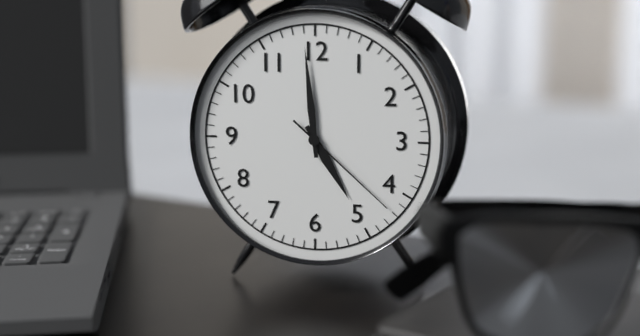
4:59:22
